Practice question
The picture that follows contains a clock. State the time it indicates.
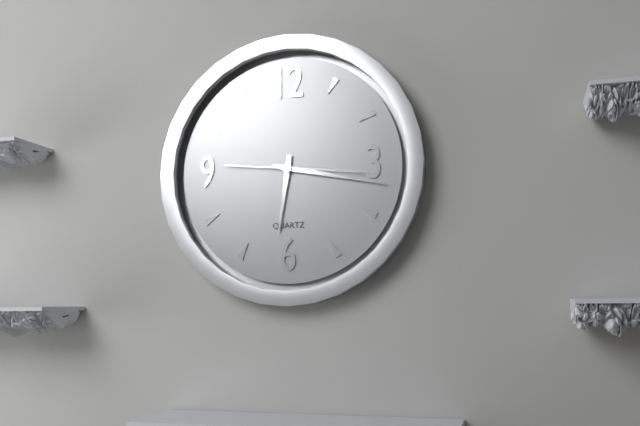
6:17:16
